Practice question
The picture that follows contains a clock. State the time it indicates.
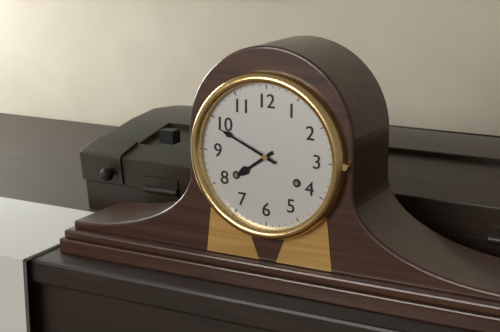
7:49
